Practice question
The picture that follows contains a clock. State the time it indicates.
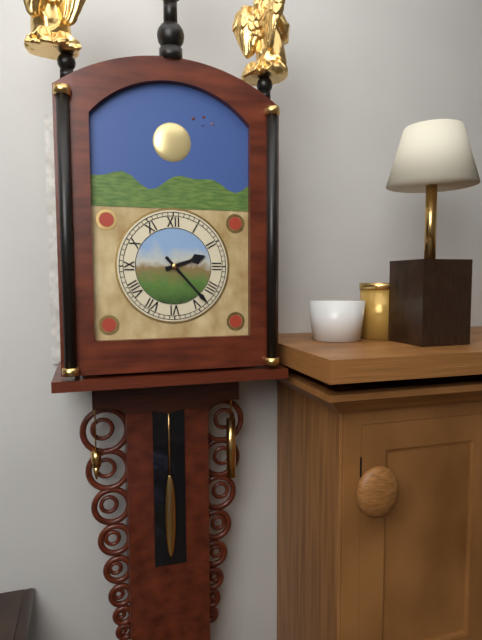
2:23
